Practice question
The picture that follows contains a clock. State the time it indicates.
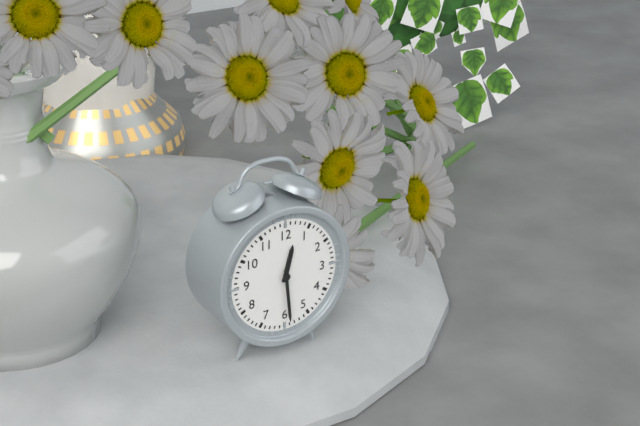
12:29
